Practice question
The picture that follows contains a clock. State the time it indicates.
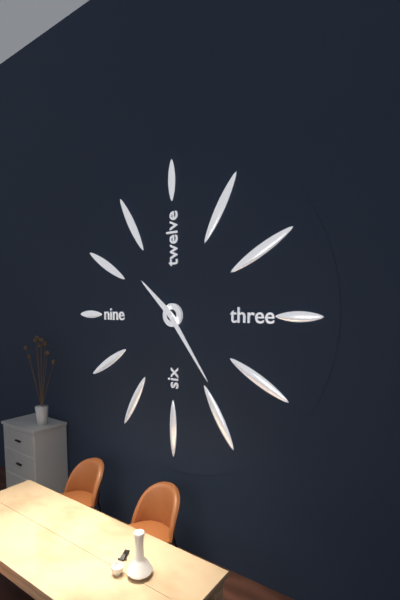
10:24
